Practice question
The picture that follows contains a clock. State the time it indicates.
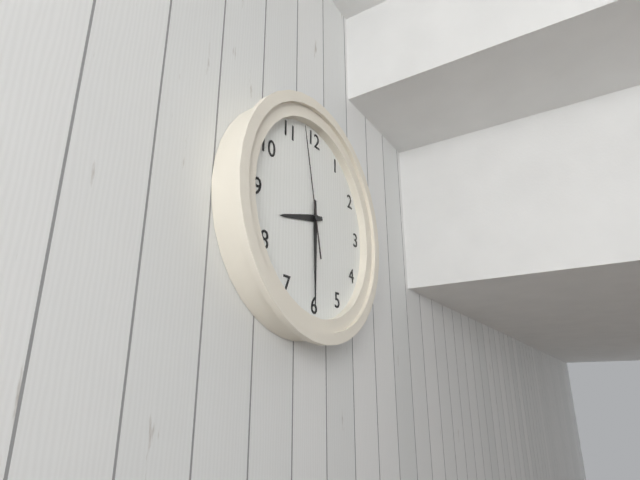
8:30:58
